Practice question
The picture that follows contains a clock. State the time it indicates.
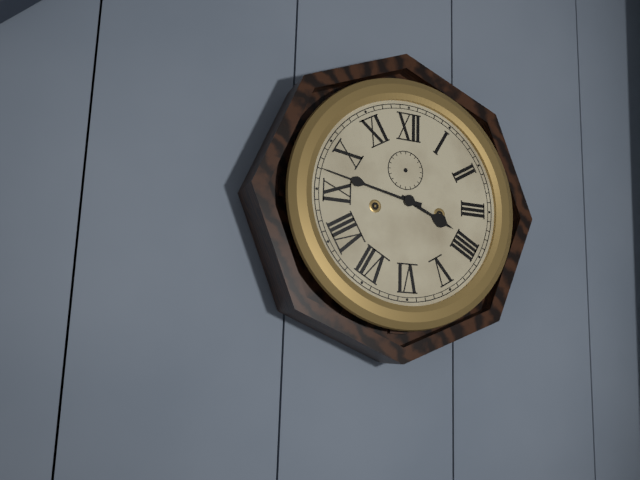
3:47
